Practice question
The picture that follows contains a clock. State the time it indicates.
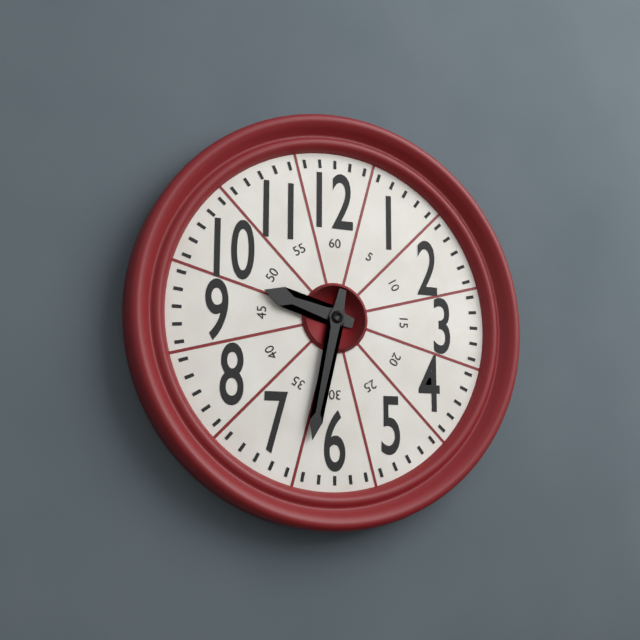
9:32
